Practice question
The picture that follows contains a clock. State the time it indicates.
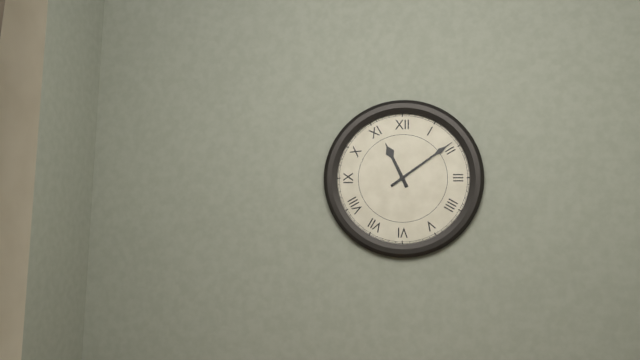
11:09
